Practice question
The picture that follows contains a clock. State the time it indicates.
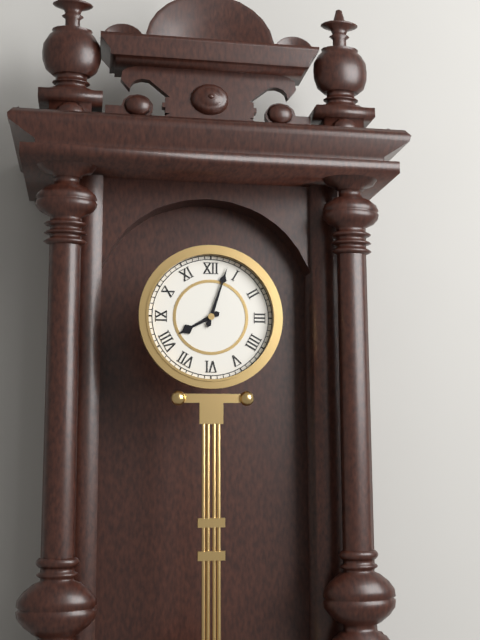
8:03
